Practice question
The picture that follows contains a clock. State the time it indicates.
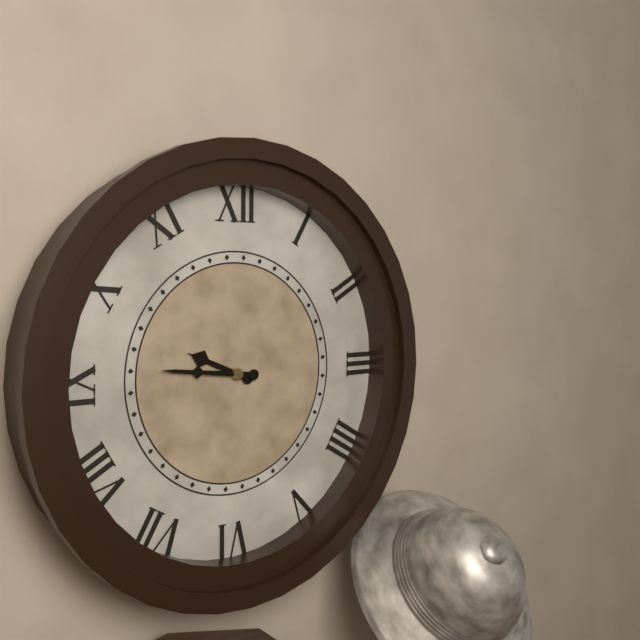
9:46
